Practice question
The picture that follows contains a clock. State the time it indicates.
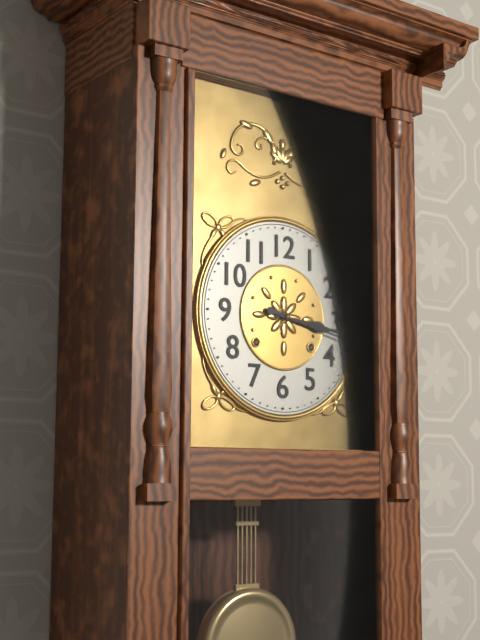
3:17
